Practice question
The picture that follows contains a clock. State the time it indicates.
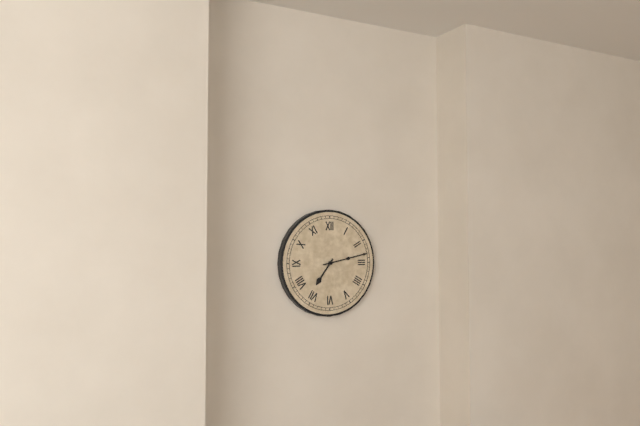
7:13
